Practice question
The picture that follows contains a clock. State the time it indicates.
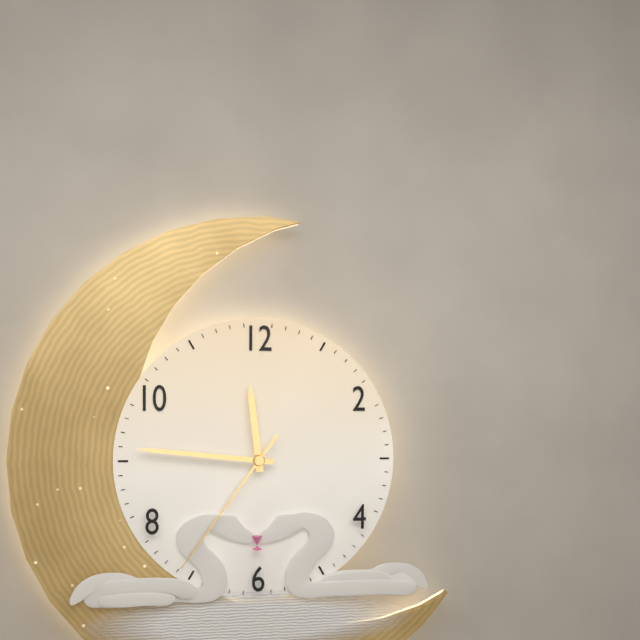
11:46:36
